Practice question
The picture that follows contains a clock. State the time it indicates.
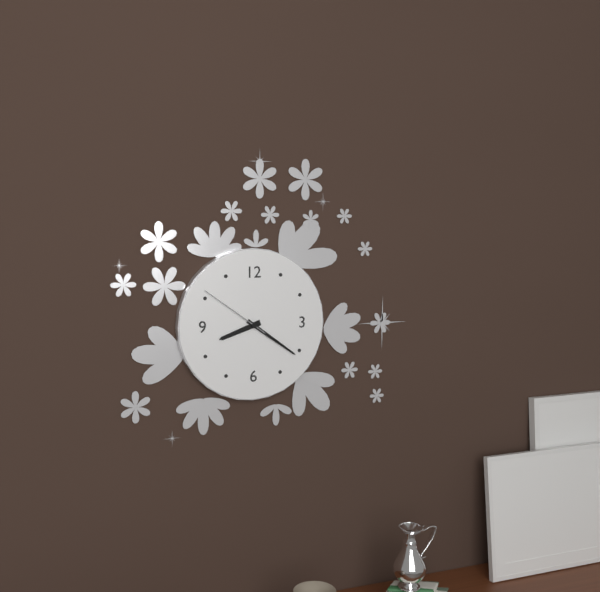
8:21:51
